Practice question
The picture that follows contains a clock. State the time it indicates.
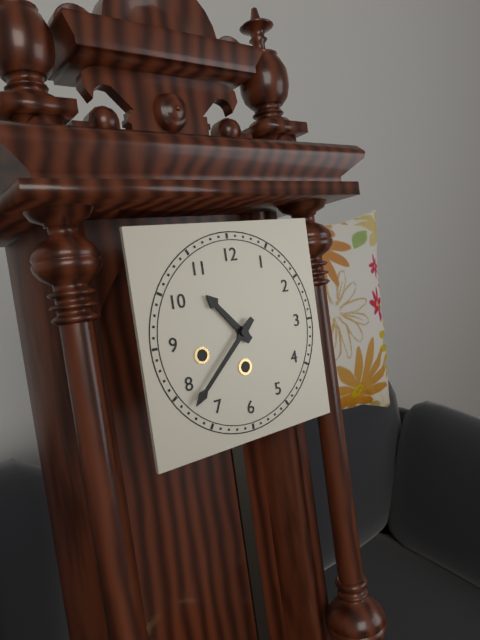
10:38
